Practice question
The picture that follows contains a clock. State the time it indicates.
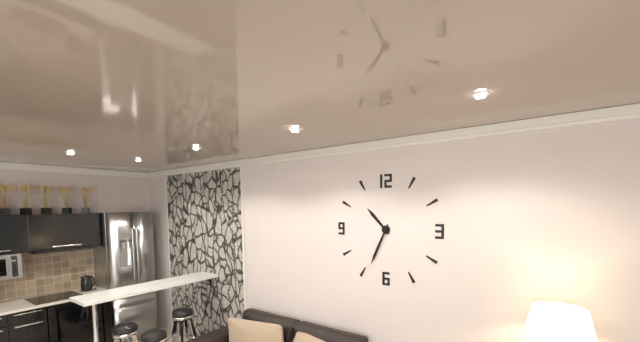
10:34
